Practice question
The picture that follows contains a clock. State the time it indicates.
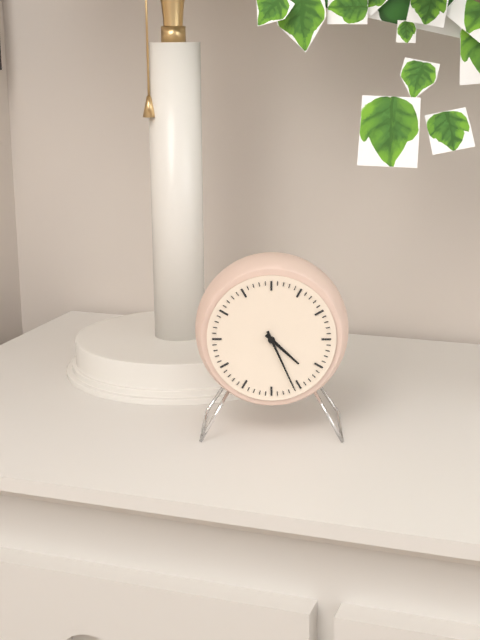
4:26
